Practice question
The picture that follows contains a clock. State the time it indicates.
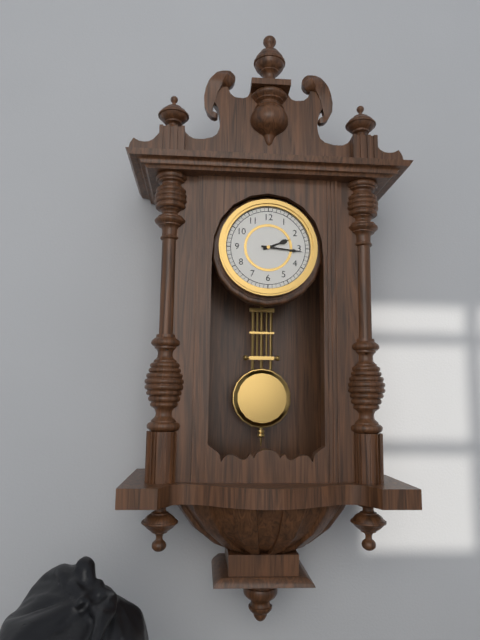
2:16
